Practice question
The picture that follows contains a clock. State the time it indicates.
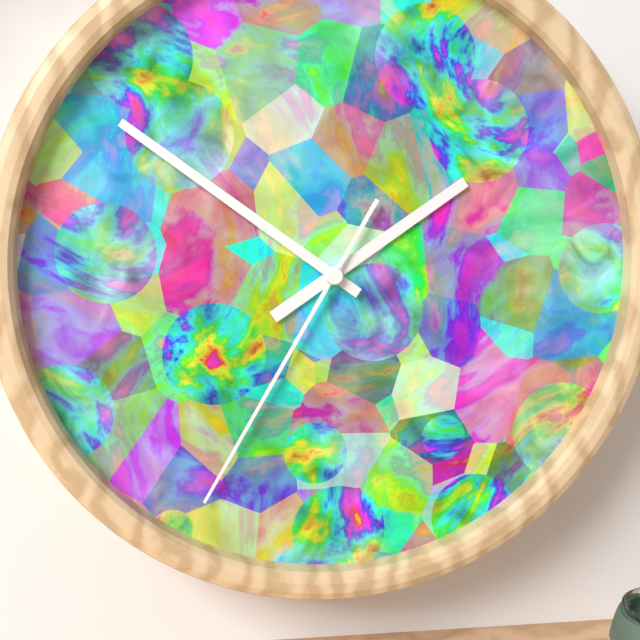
1:51:35
